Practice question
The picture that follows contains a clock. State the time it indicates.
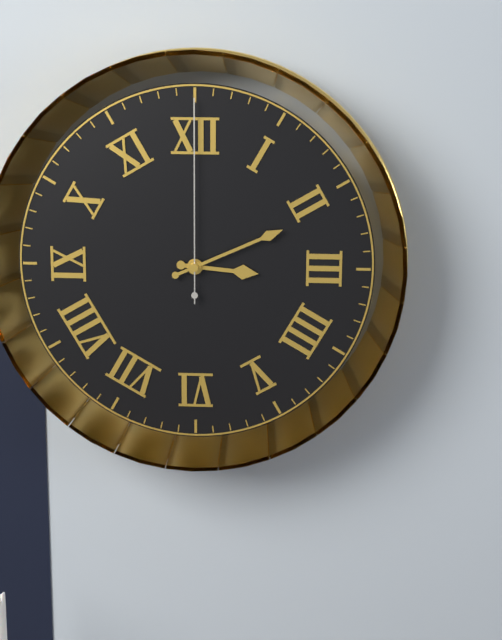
3:11:00
